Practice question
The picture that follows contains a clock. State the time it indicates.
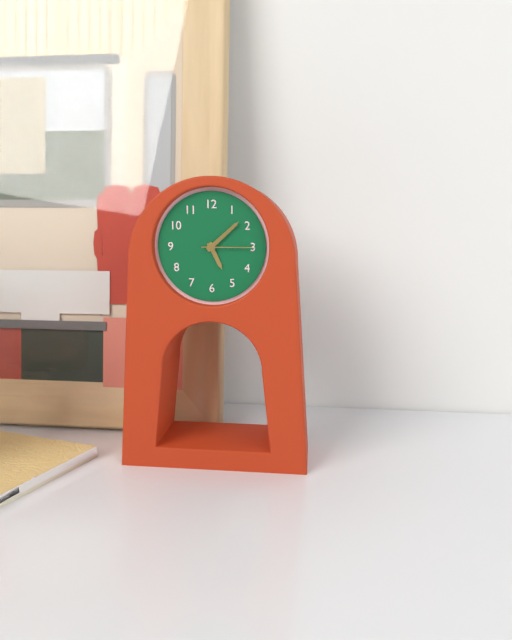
5:08:15
